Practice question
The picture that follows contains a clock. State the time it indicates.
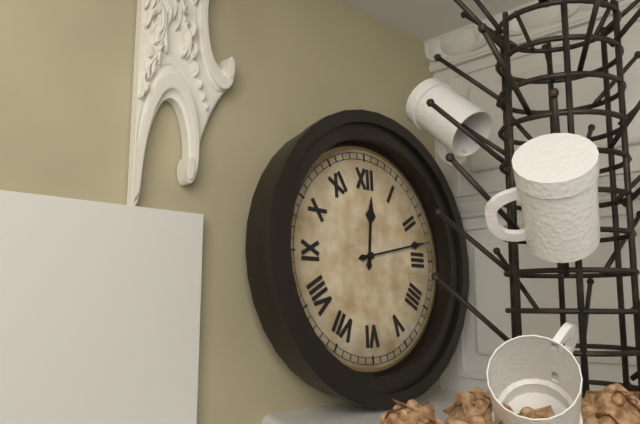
12:13
